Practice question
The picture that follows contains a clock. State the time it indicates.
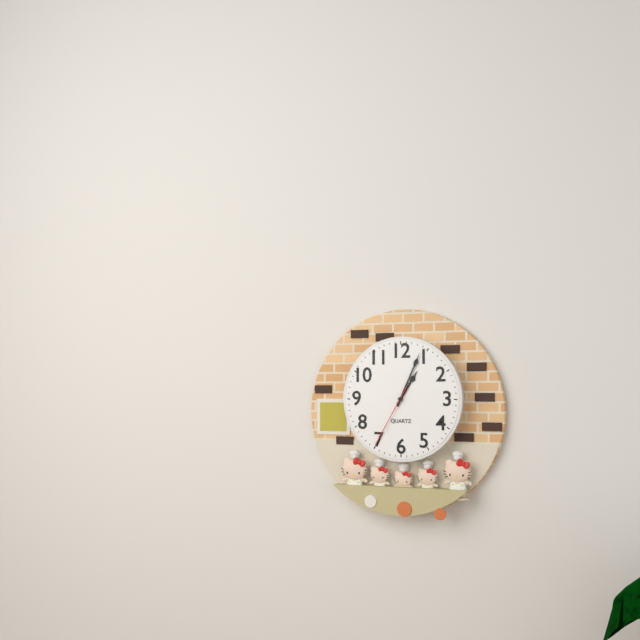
1:04:35
